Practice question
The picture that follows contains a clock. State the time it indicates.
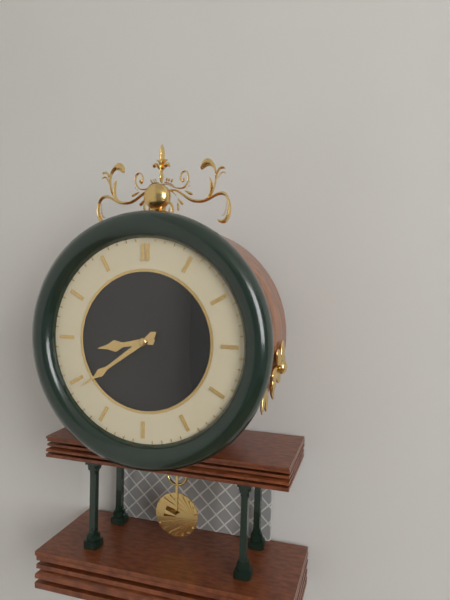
8:39
